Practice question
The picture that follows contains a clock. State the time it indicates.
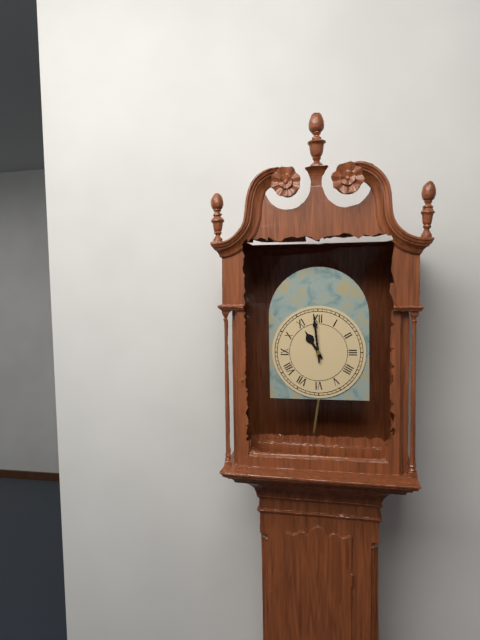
10:59
